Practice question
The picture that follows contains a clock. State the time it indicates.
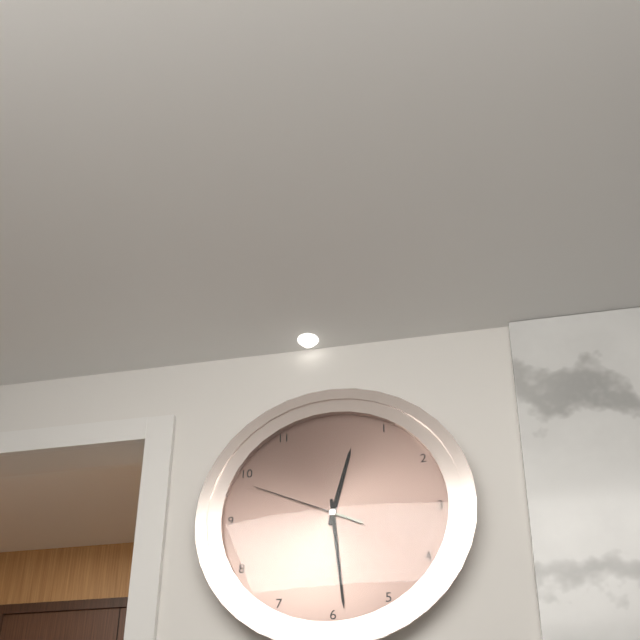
12:29:49
